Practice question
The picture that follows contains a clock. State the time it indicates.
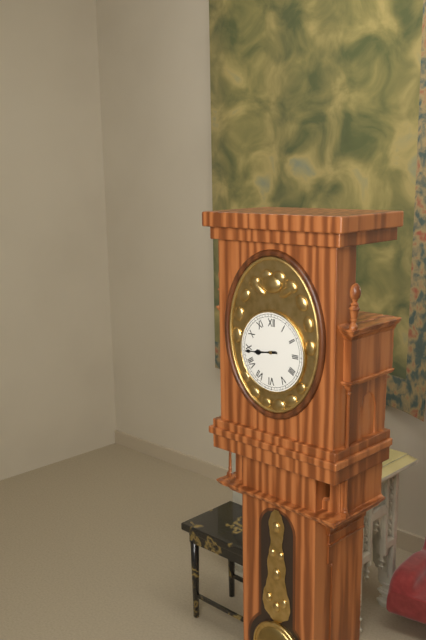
8:44
